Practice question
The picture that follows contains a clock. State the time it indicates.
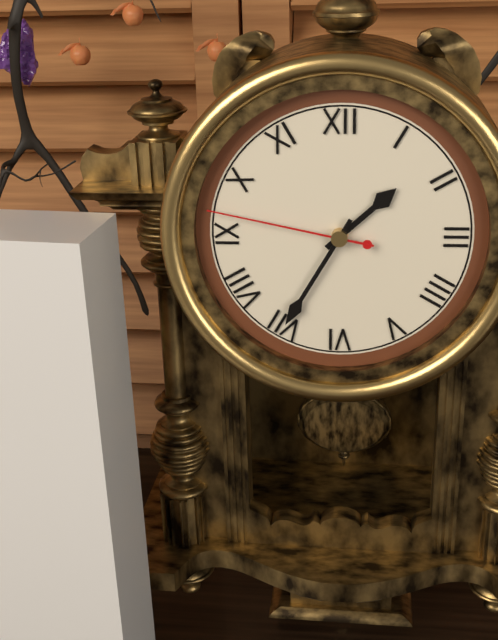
1:35:47
